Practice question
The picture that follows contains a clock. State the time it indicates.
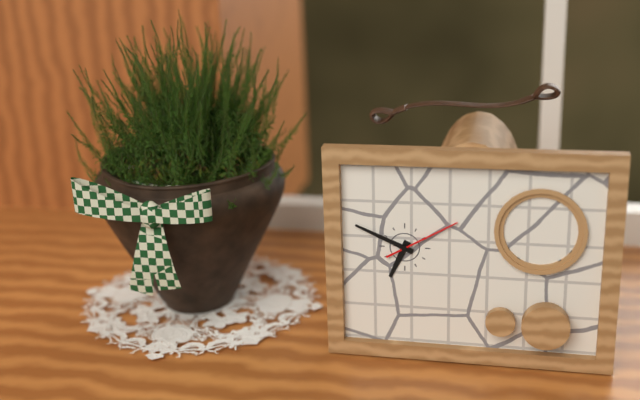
6:49:10
